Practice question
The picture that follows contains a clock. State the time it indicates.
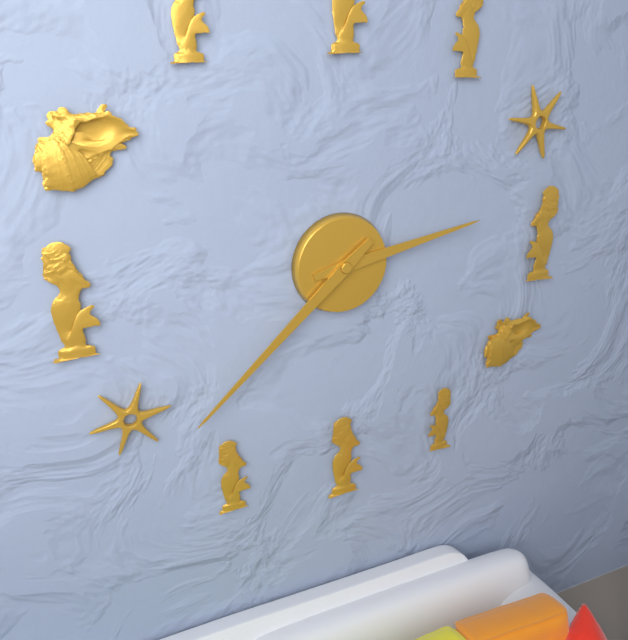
2:38
